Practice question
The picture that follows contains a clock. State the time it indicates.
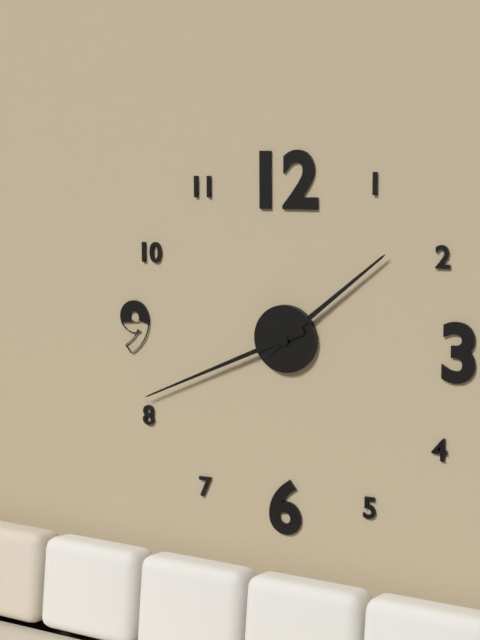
1:41
